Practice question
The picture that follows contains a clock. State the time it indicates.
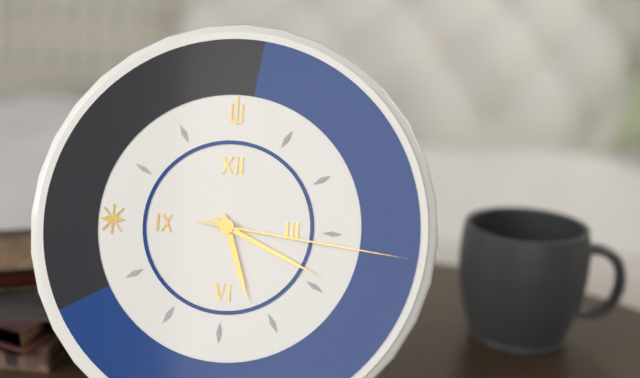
5:19:16
